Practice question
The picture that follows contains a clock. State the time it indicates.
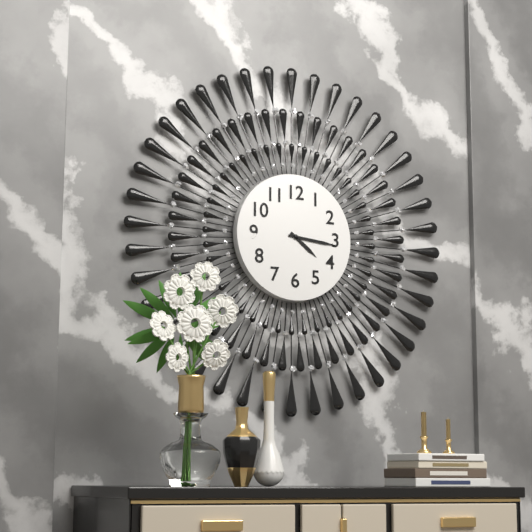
4:16
